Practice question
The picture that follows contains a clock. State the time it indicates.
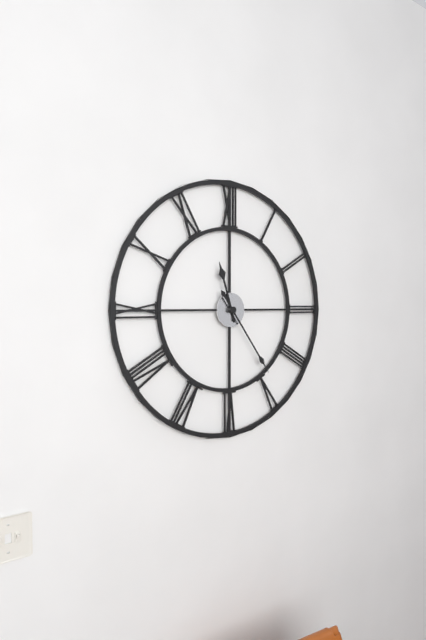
11:24
